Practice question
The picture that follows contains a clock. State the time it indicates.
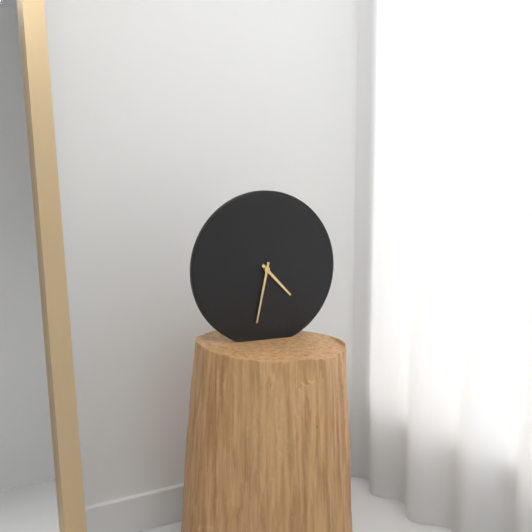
4:32
